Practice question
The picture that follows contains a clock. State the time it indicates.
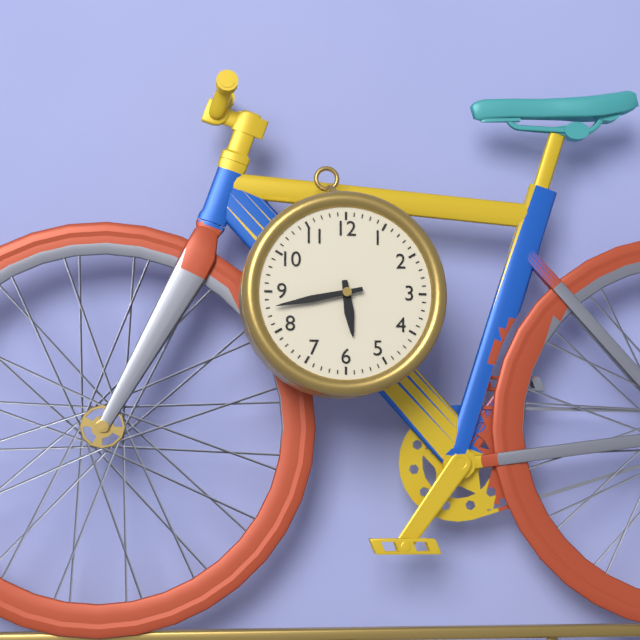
5:43
